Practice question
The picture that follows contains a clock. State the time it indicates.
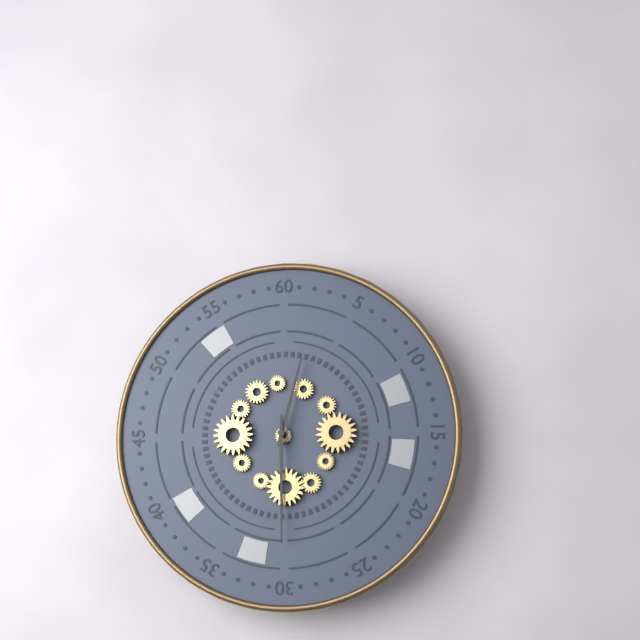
12:30
